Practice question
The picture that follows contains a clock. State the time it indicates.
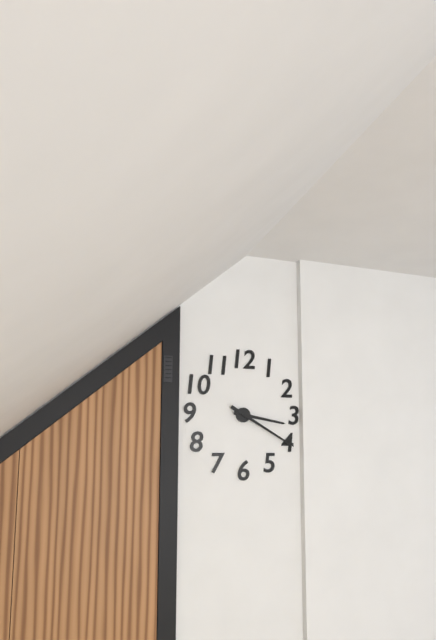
3:20
